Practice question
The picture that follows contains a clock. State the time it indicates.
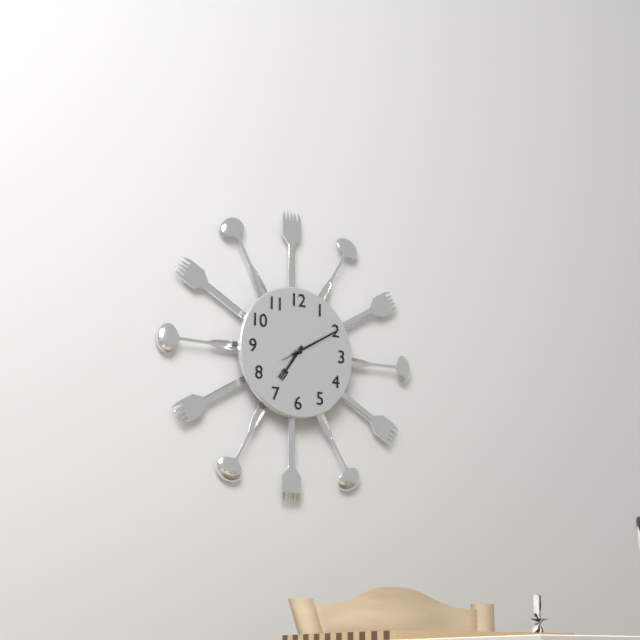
7:10:10
